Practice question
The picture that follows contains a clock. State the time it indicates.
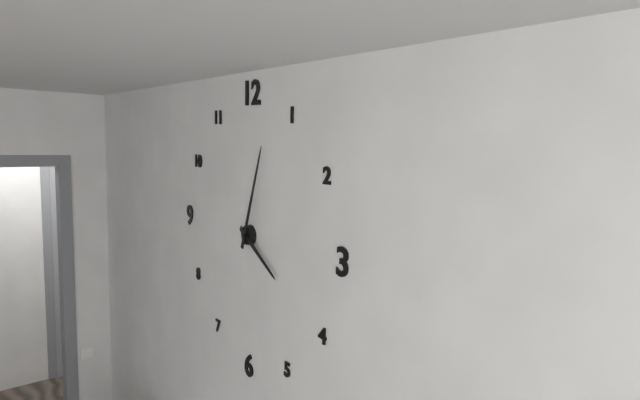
4:03
